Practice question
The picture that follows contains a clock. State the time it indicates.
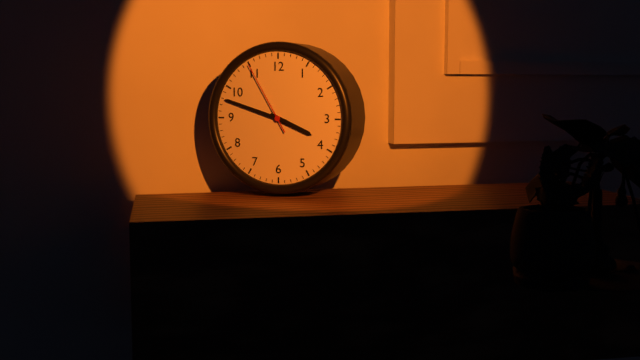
3:48:55
